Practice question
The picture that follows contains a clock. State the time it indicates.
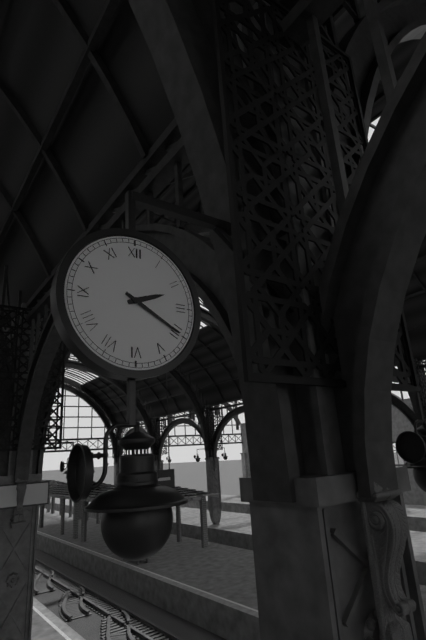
2:20
